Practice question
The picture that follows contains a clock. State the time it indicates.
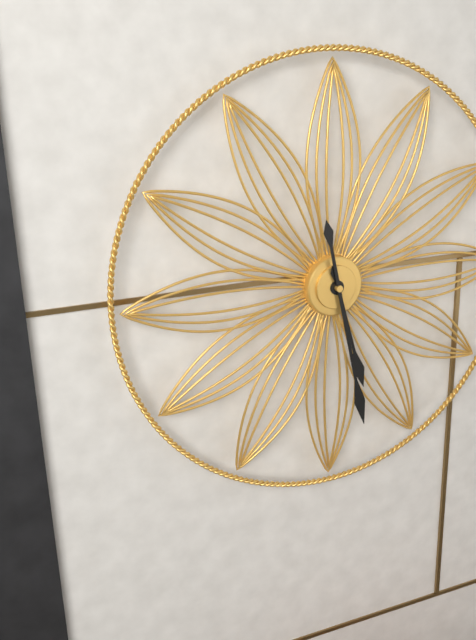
5:28
